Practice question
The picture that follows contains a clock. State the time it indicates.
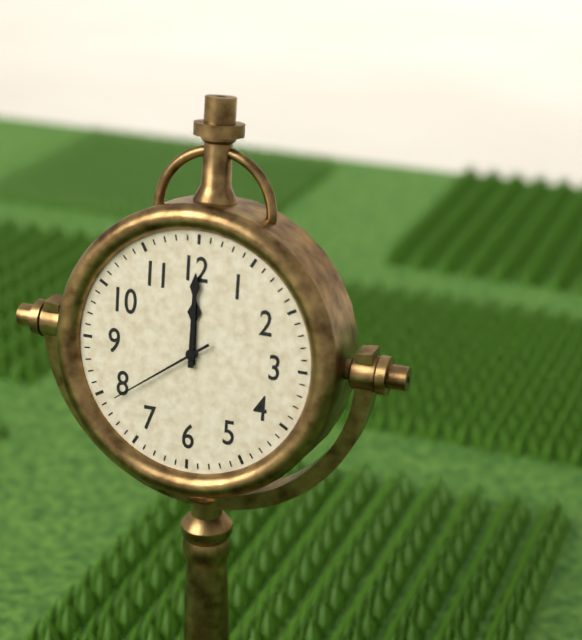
12:00:39
